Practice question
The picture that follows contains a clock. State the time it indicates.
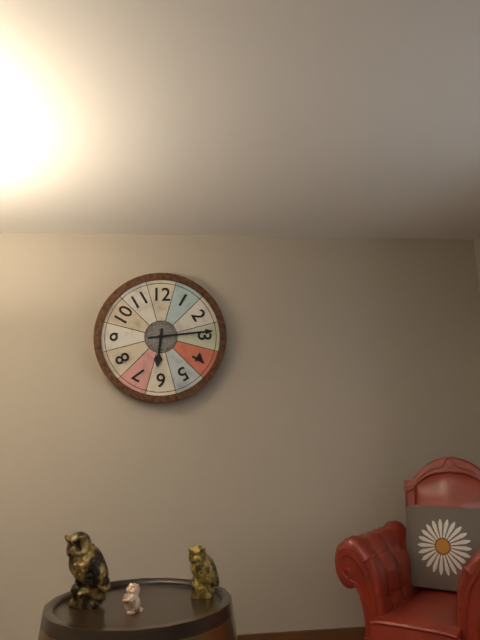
6:14
